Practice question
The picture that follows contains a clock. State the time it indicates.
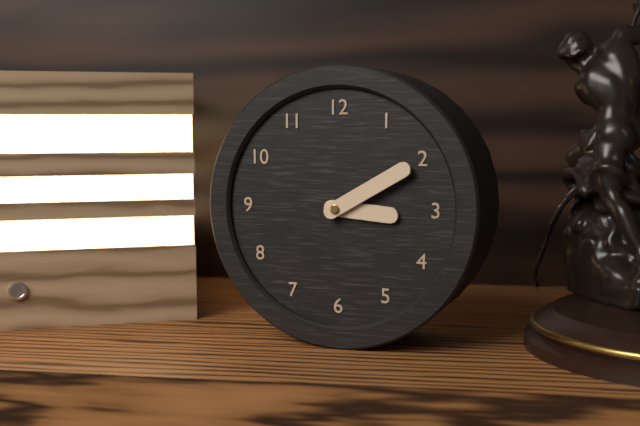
3:10
